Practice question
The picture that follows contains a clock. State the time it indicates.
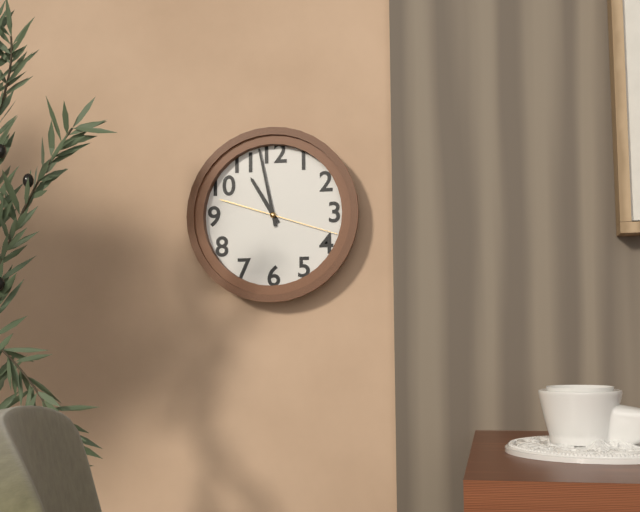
10:58:18
